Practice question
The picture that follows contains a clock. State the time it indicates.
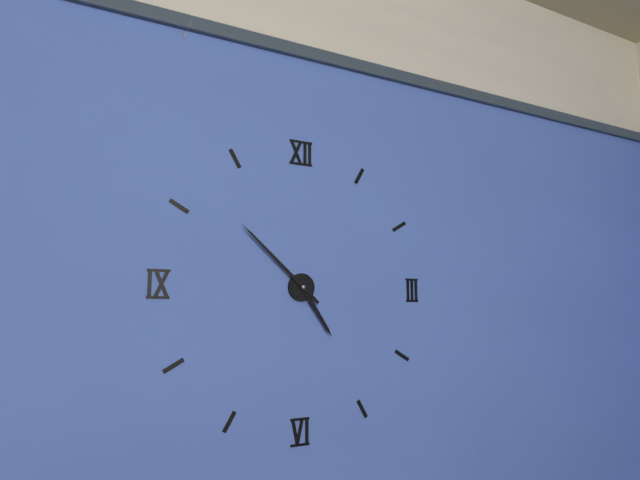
4:52
